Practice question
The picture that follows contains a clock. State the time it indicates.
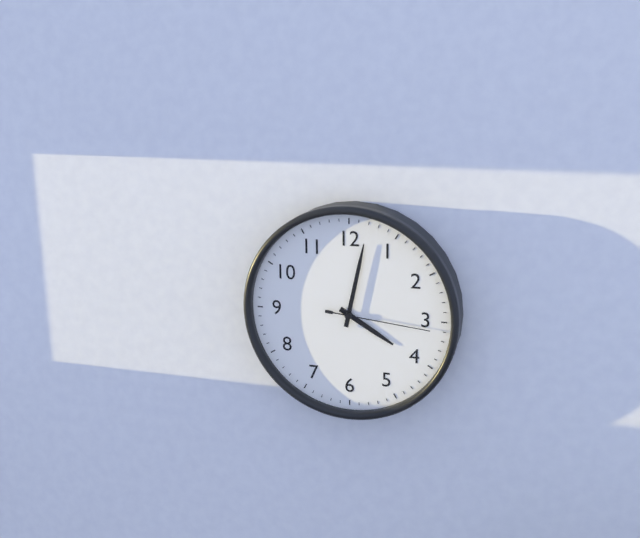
4:02:16
